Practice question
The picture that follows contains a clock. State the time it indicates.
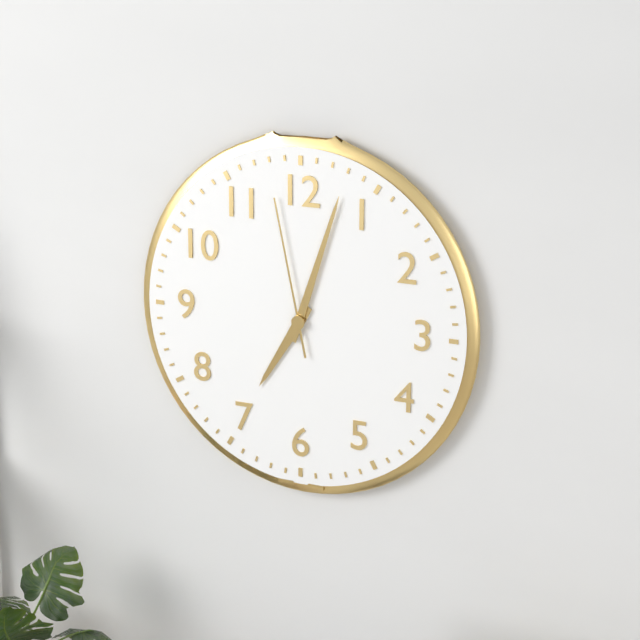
7:03:58
